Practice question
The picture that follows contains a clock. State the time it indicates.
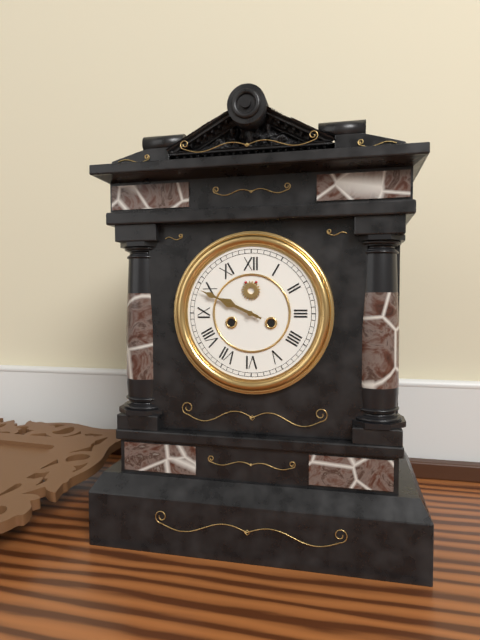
9:49
